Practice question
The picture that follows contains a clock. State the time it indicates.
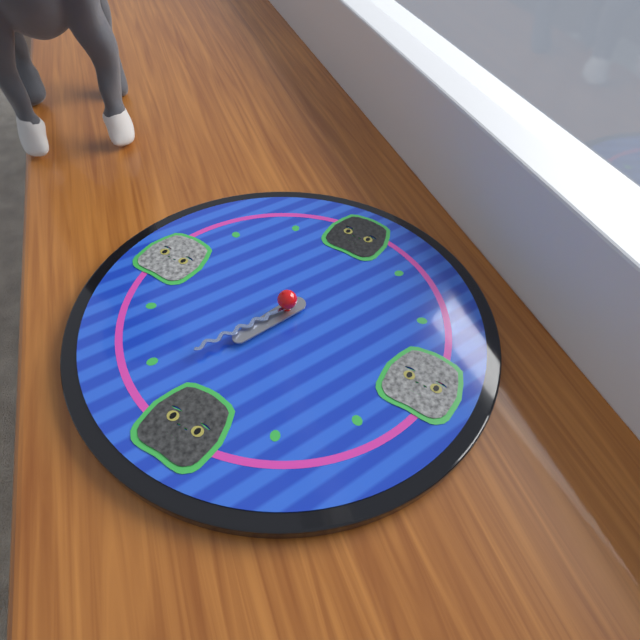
6:34
